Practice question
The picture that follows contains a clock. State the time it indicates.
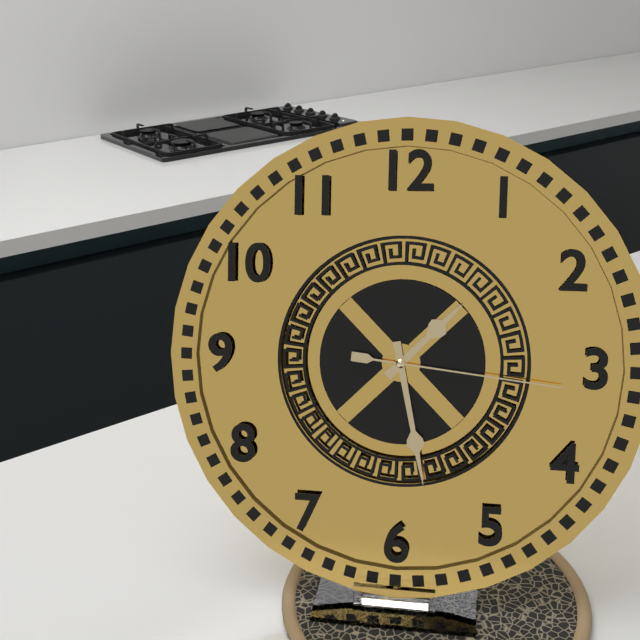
1:28:16
